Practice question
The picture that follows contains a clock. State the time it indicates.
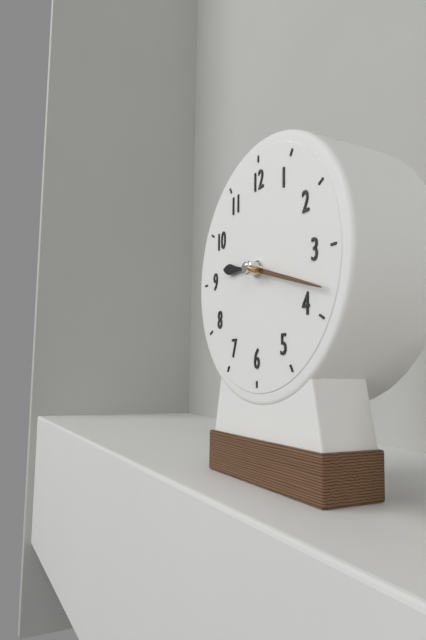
9:18
